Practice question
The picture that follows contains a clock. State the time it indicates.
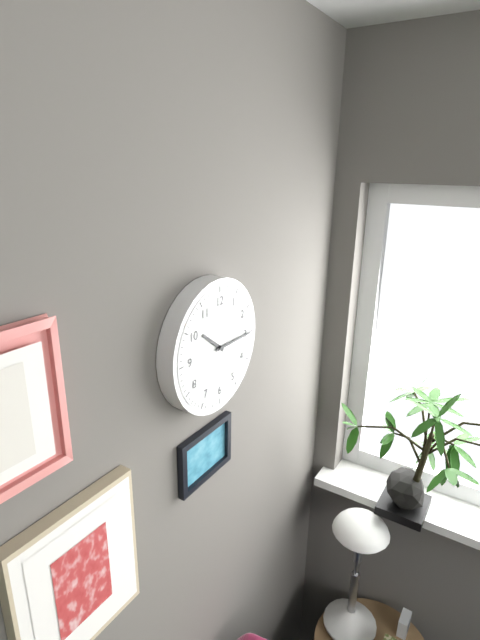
10:15
